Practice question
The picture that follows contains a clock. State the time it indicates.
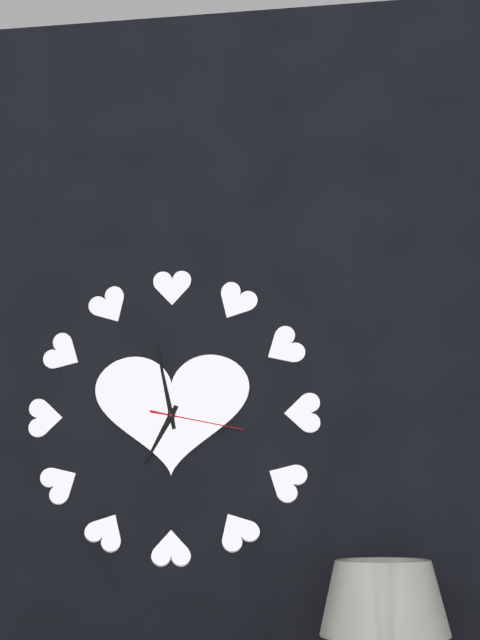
6:58:17
